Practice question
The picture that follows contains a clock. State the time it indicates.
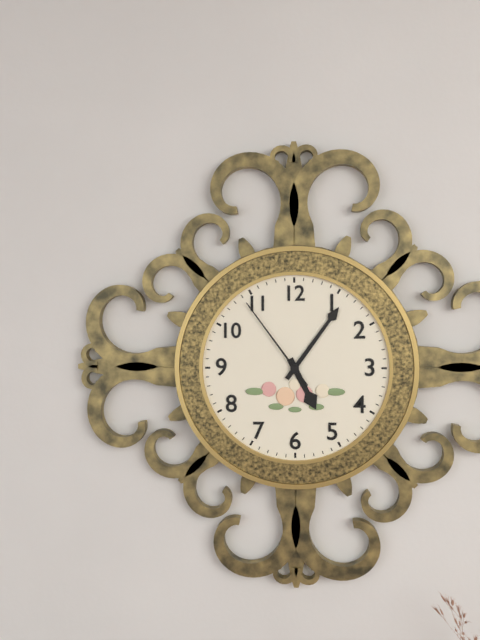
5:06:54
